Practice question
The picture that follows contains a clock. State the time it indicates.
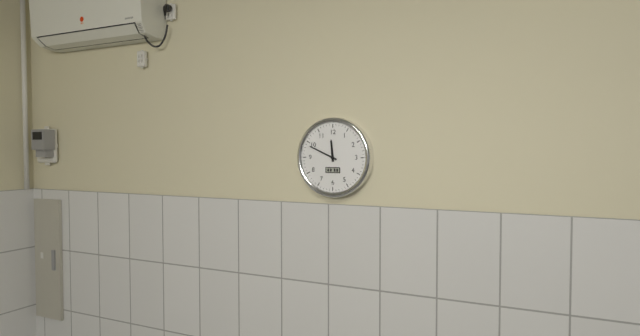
11:49
